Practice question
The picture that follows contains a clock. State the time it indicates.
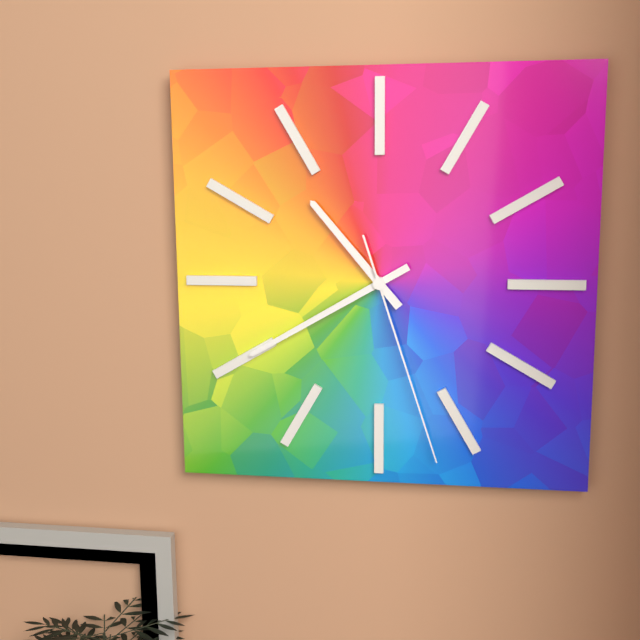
10:40:27
